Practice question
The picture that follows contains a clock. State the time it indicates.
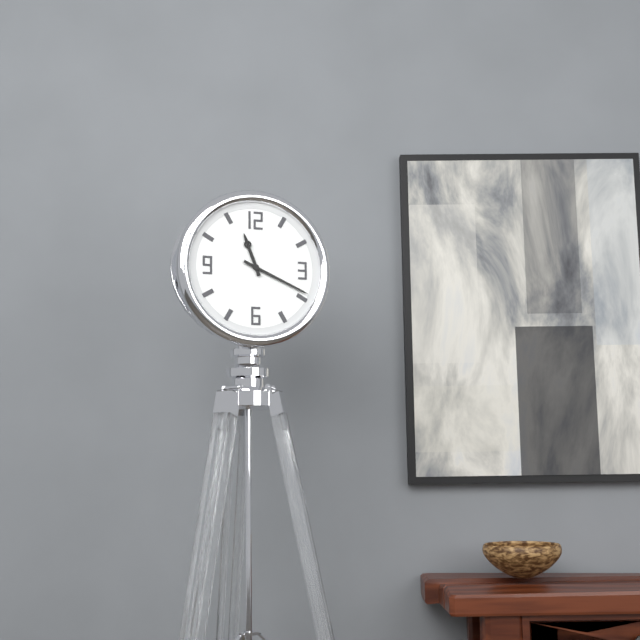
11:19
